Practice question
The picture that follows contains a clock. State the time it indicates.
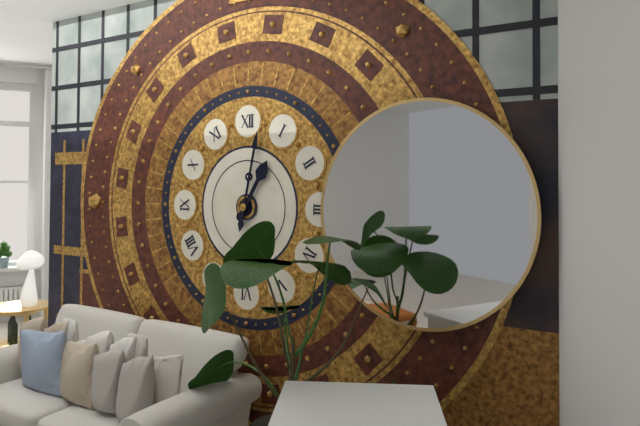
1:02
